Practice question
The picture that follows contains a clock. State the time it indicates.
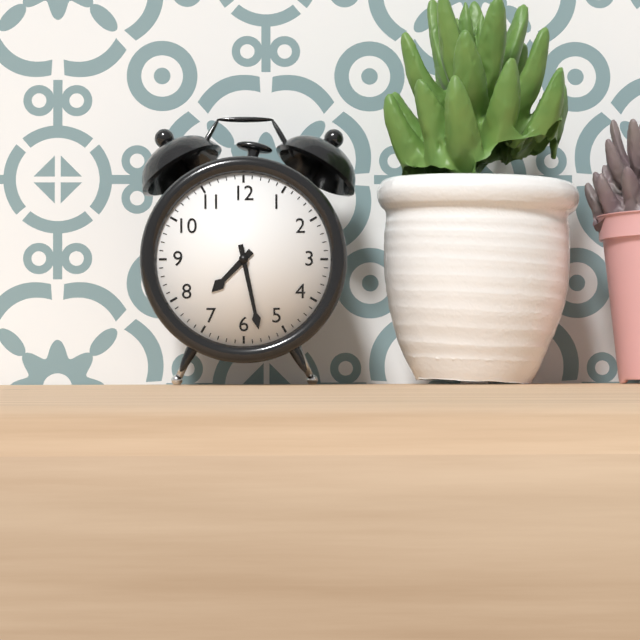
7:28
